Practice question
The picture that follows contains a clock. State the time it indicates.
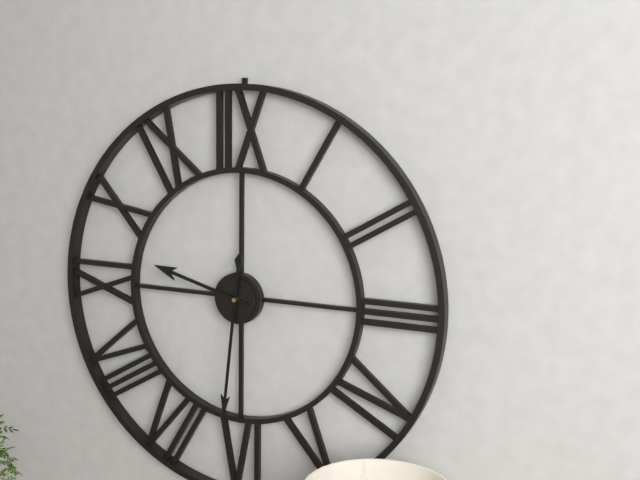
9:31
